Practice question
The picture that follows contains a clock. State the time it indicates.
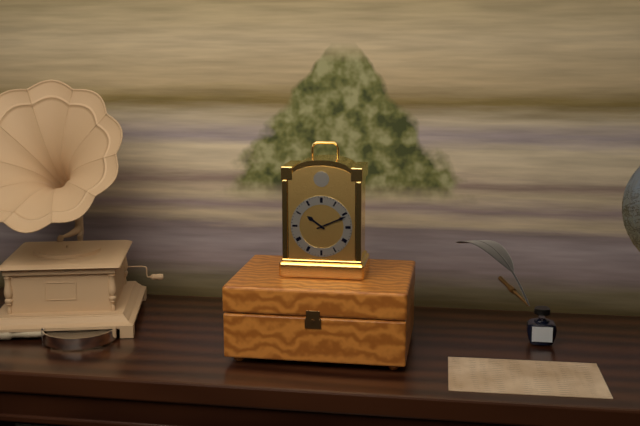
10:11
